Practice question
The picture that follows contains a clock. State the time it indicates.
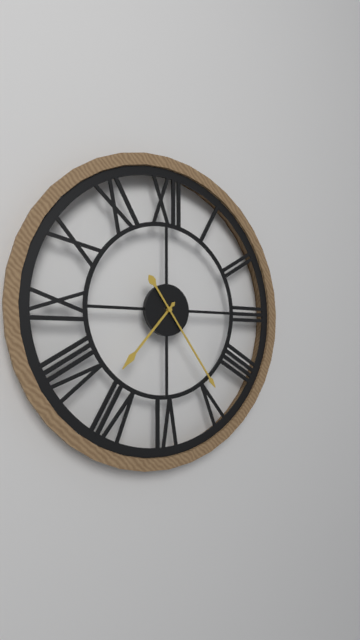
7:24
